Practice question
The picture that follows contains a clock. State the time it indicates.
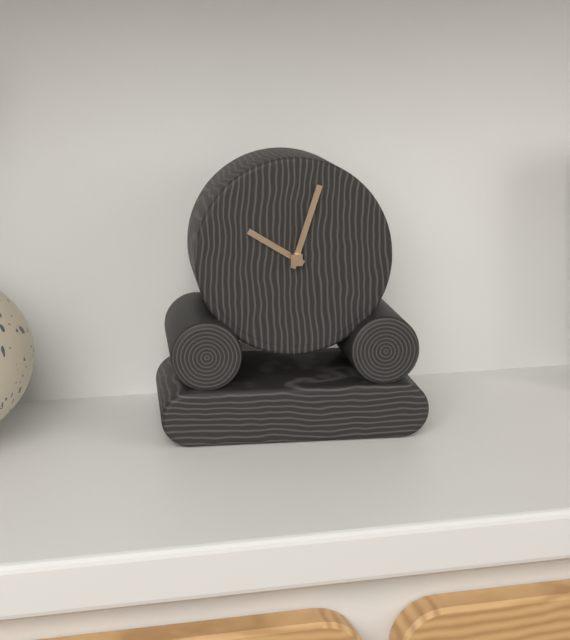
10:03
